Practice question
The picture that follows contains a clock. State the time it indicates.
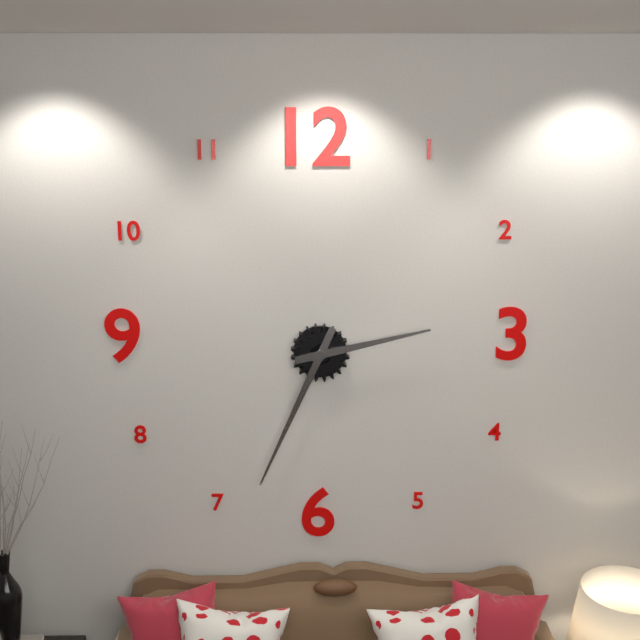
2:34
